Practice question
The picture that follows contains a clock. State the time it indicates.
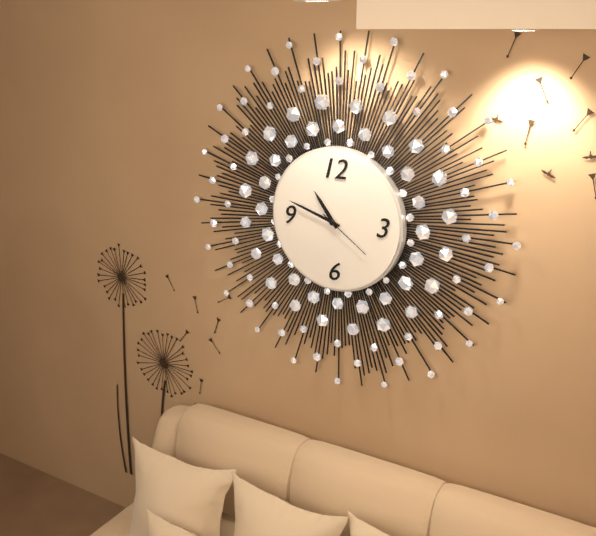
10:48:21
